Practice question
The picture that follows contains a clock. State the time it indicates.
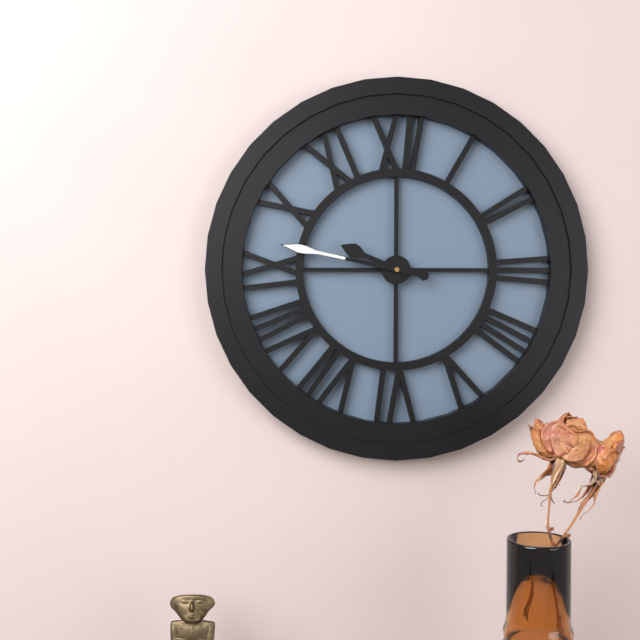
9:47
